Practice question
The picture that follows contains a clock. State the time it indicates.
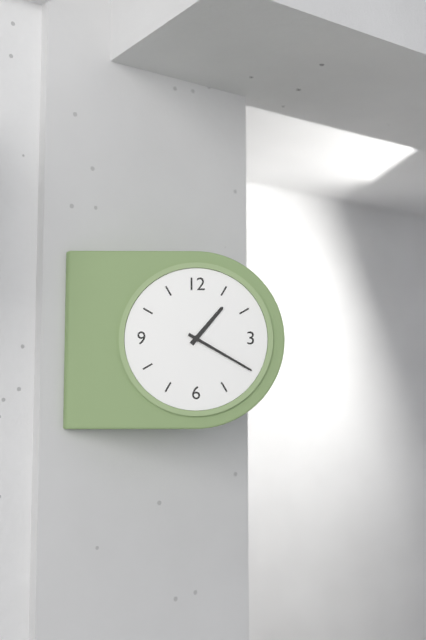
1:20
